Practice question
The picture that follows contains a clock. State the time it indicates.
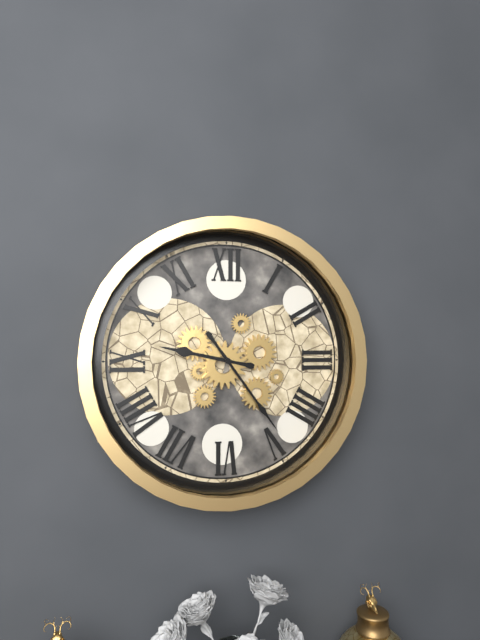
9:24
